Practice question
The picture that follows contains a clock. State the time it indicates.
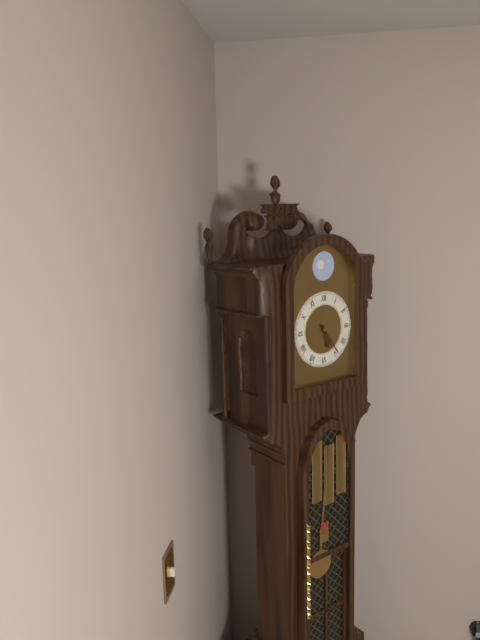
5:24
